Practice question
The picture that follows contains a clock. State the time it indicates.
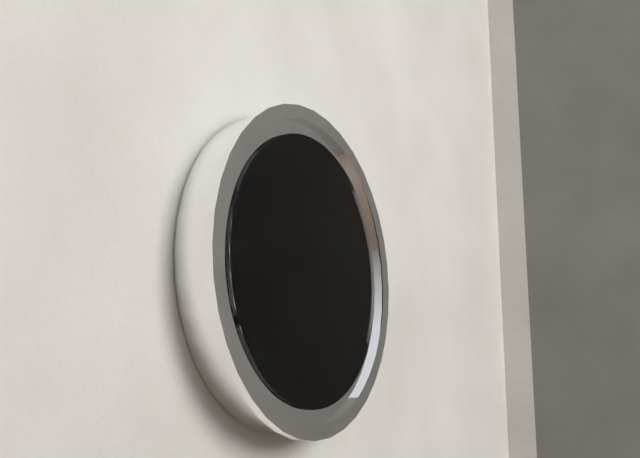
12:11
